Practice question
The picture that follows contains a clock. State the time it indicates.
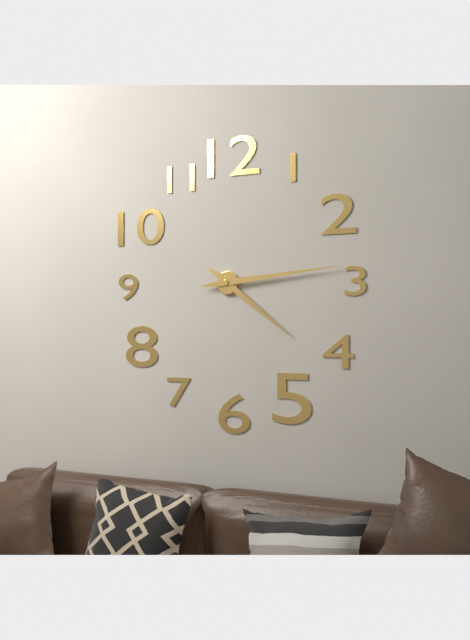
4:14
